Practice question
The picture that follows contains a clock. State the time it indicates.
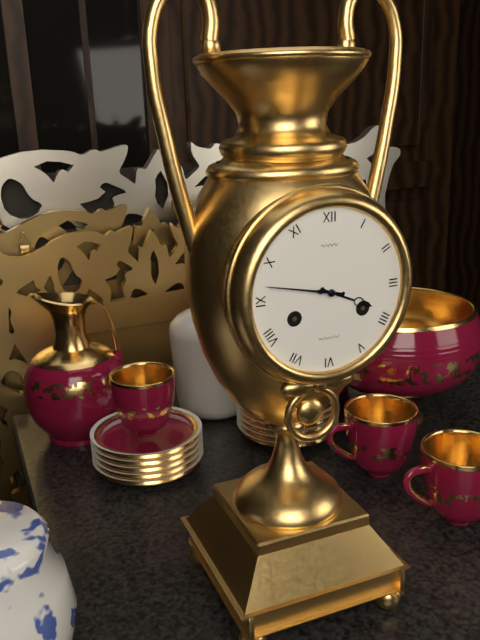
3:47
